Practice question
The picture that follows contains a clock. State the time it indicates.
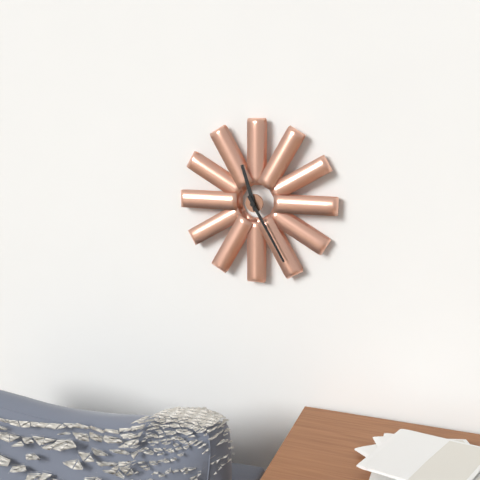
11:25
